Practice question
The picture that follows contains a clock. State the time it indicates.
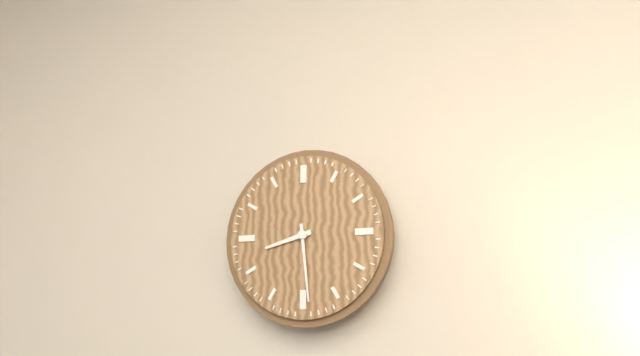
8:29
